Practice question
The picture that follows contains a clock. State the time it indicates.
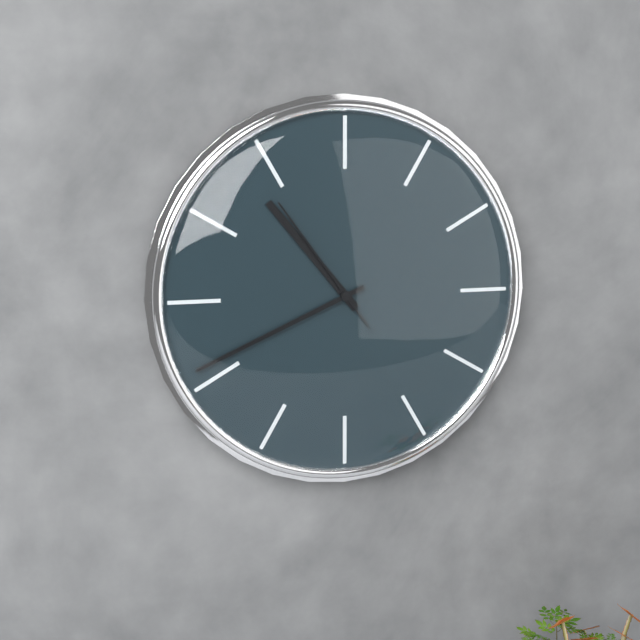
10:41:54
